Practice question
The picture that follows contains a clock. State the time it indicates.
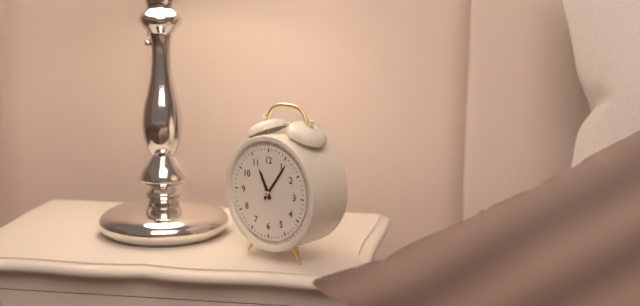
11:06
